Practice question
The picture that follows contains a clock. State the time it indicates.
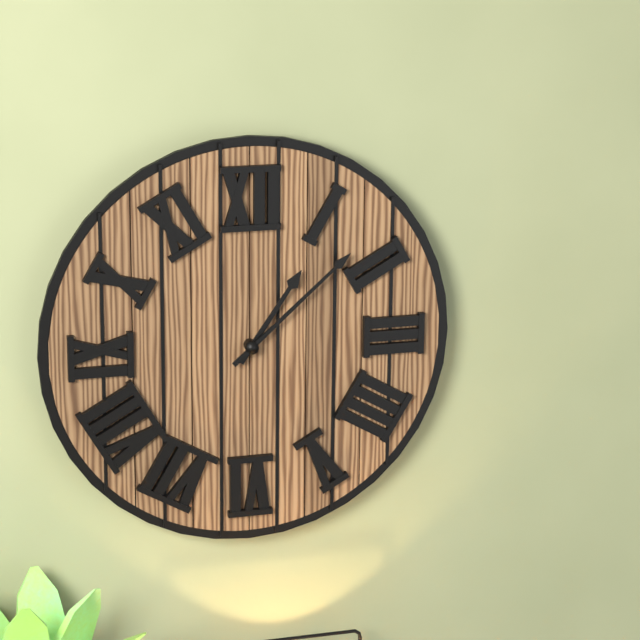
1:08
